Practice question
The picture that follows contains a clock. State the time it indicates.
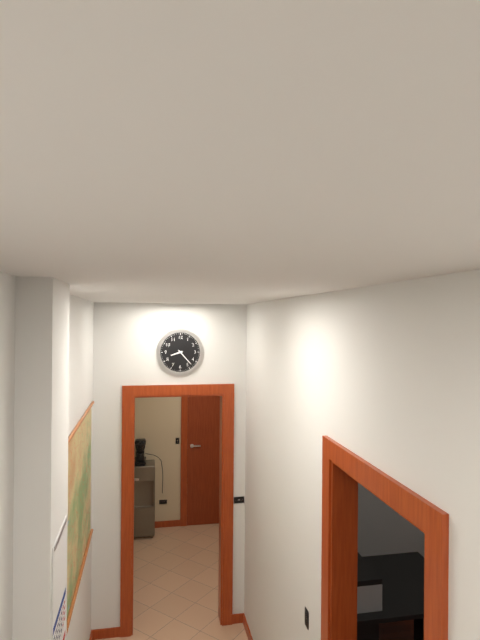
8:23
